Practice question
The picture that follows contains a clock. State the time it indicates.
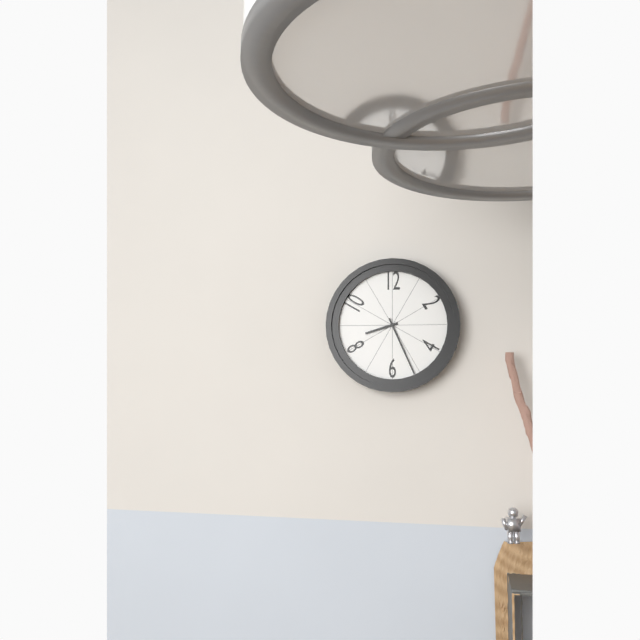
8:26
